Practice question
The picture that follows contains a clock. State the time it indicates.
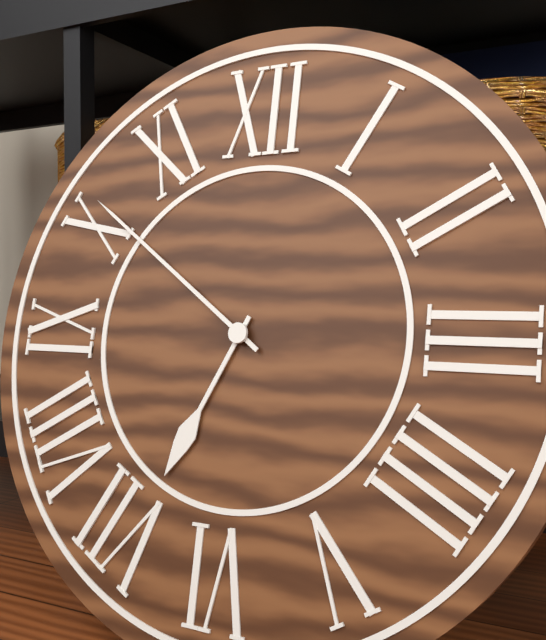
6:51
